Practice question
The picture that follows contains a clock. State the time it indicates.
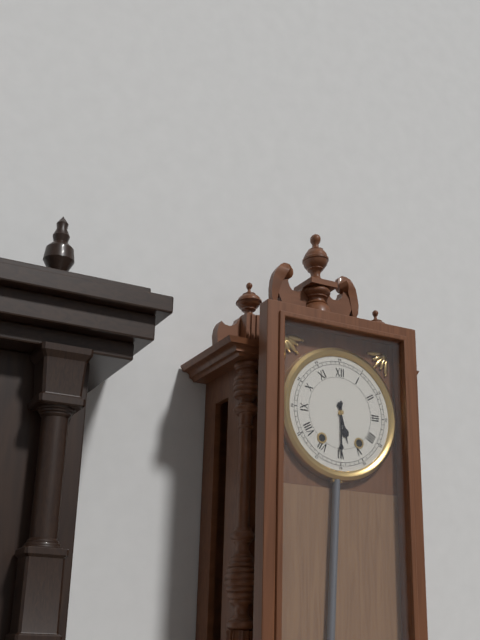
5:30
